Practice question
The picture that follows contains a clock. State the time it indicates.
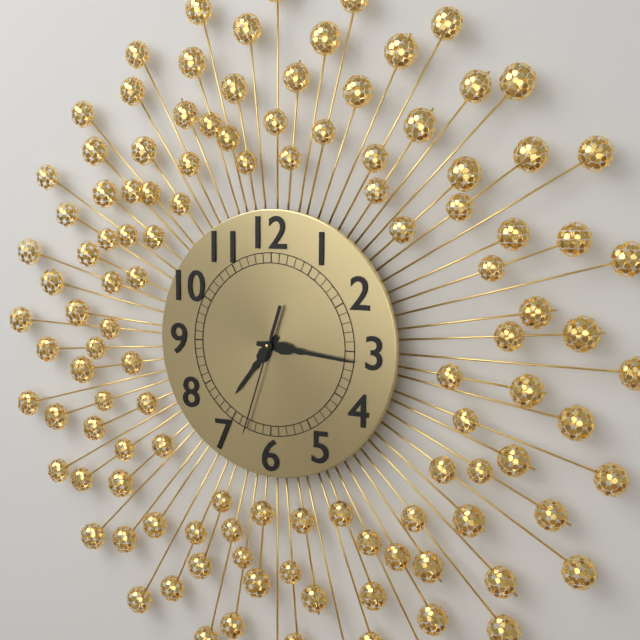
7:16:33
